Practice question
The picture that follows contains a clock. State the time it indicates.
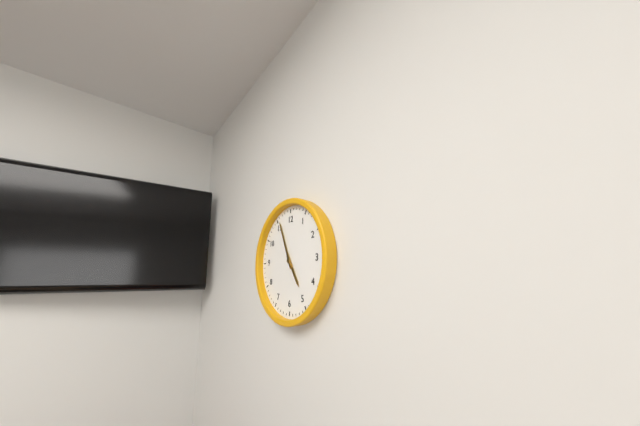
4:56
